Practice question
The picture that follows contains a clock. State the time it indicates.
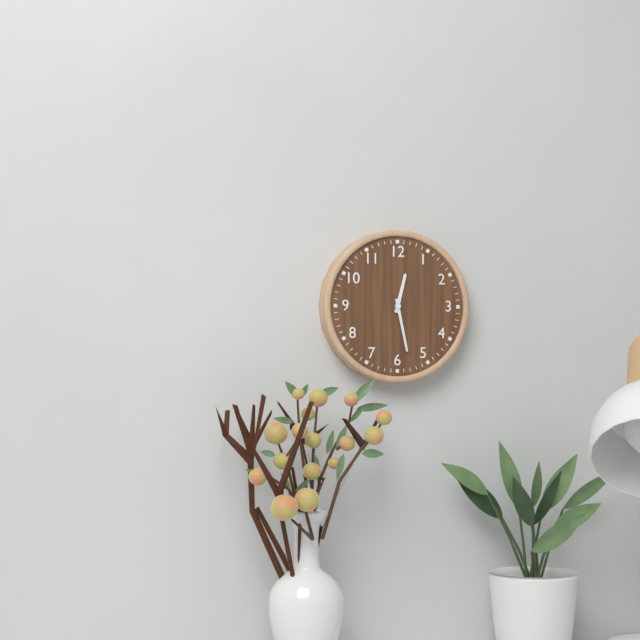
12:28
